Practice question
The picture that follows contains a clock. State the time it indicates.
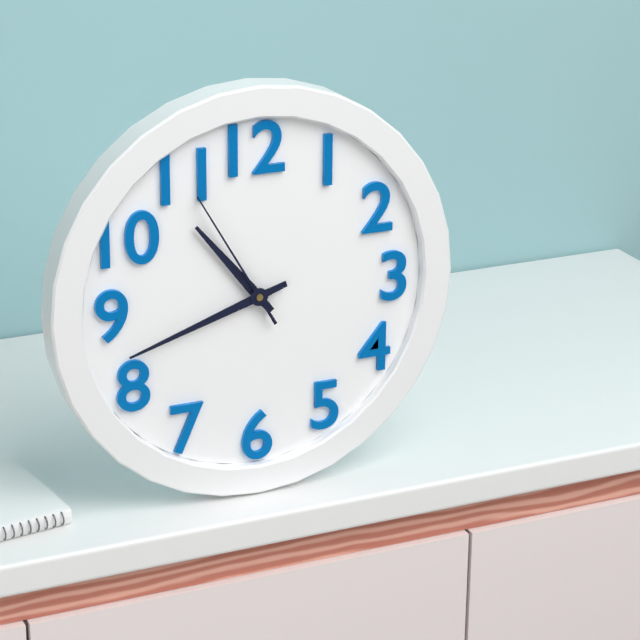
10:42:55
